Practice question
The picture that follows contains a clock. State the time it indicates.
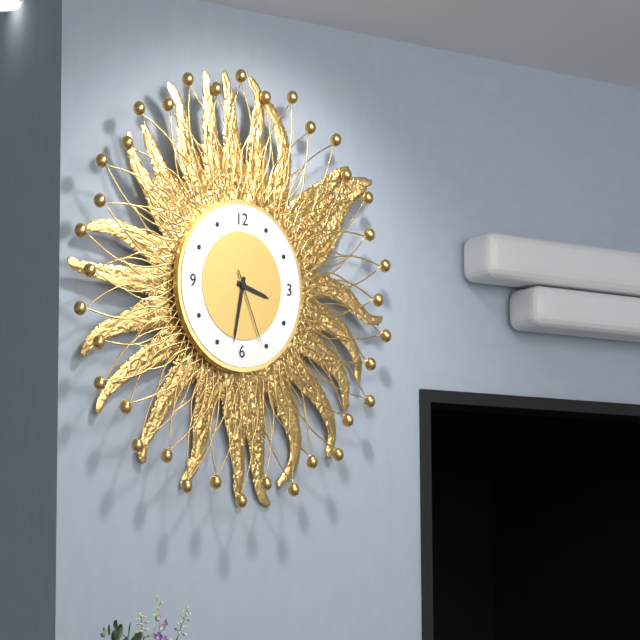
3:32:26
